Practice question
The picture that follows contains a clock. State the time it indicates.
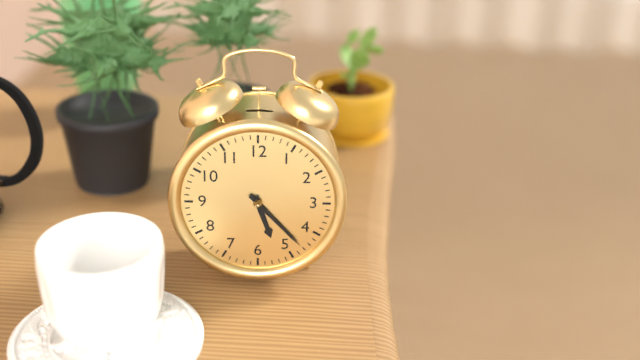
5:23
